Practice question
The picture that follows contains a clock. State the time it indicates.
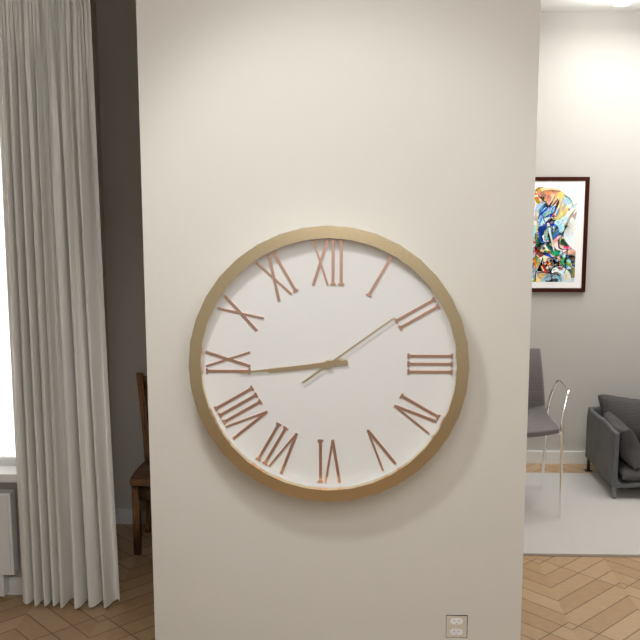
8:44:09
